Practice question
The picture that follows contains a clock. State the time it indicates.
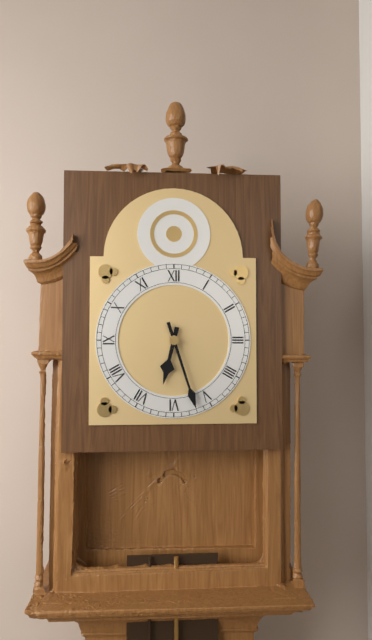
6:27
